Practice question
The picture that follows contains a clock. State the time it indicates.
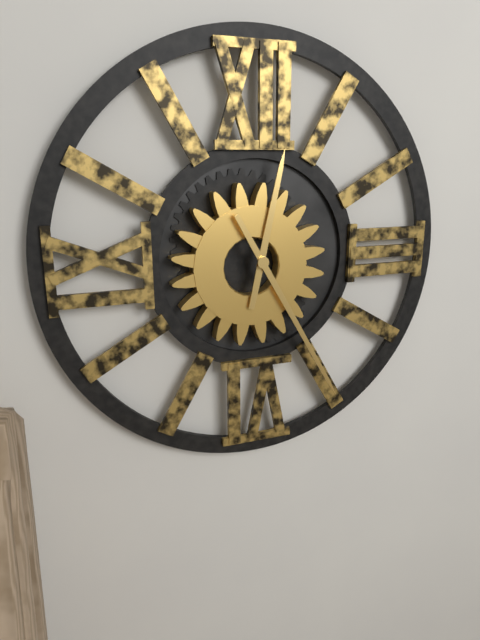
12:25
